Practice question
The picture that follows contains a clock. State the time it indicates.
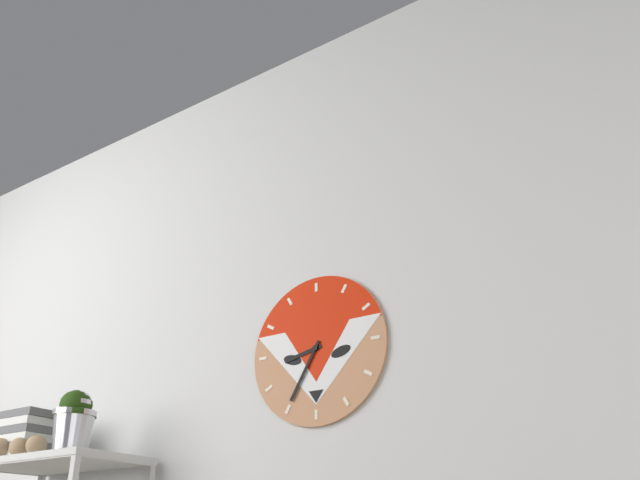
8:35
